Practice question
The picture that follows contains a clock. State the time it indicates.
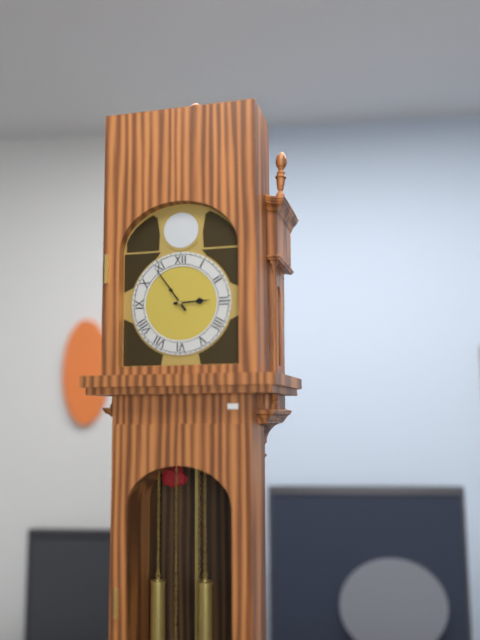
2:54
